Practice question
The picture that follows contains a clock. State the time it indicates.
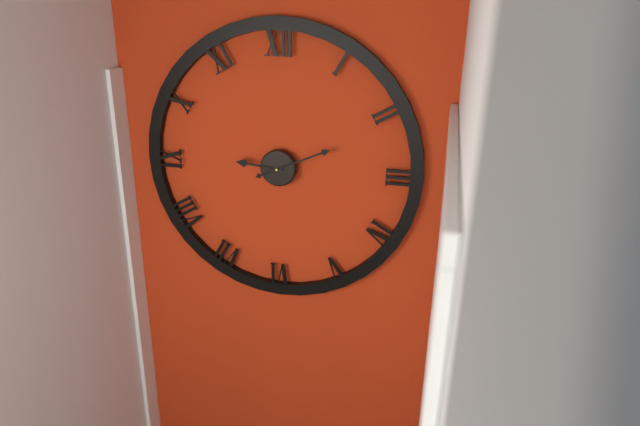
9:11
